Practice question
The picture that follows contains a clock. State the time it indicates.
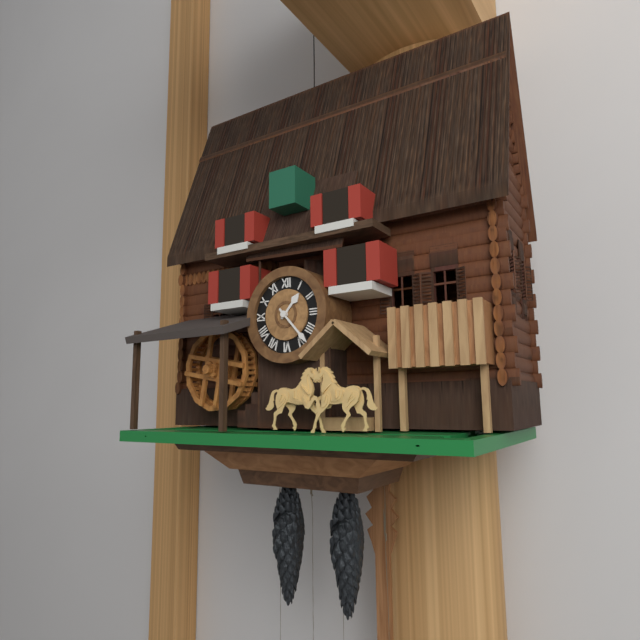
1:23
